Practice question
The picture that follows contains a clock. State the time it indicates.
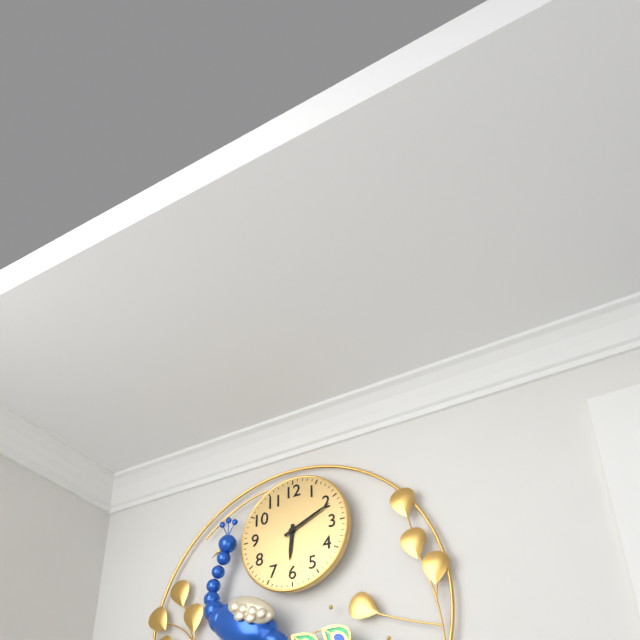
6:11
